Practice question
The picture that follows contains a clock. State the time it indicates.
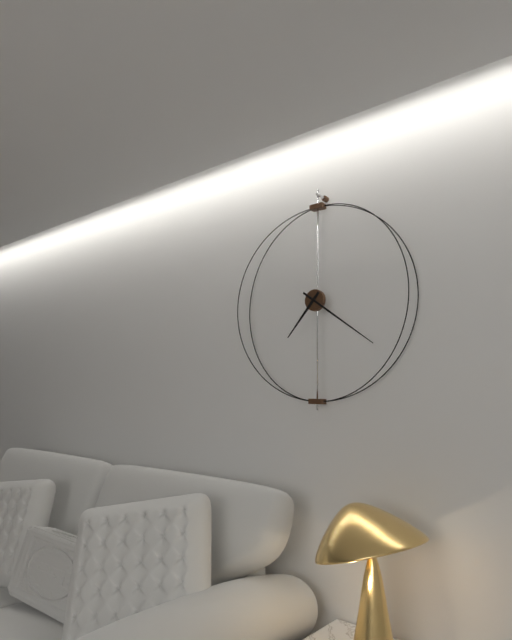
7:21
